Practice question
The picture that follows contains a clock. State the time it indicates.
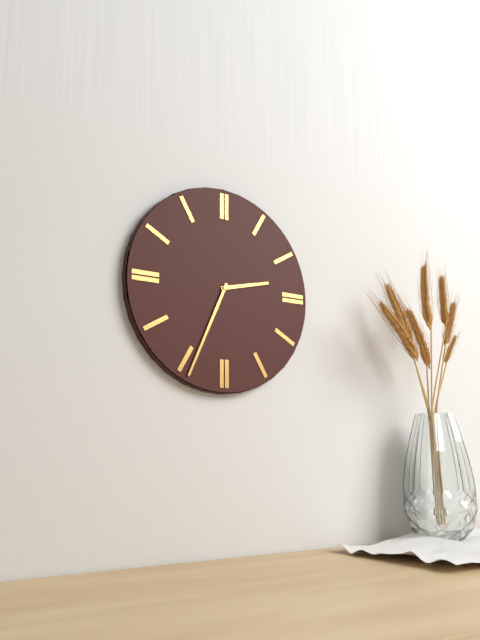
2:34
